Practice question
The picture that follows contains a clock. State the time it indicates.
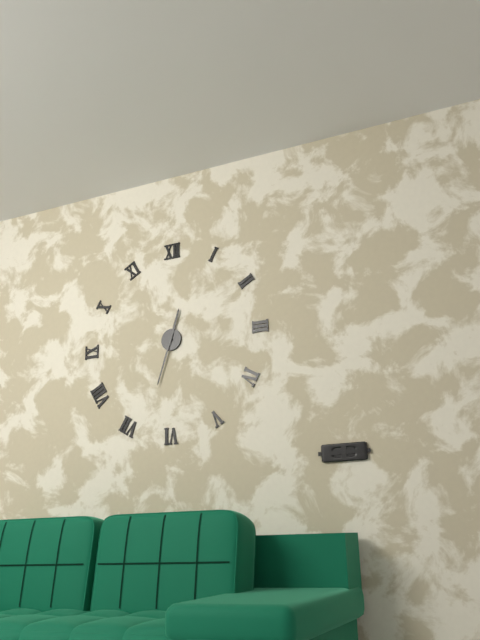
12:33
